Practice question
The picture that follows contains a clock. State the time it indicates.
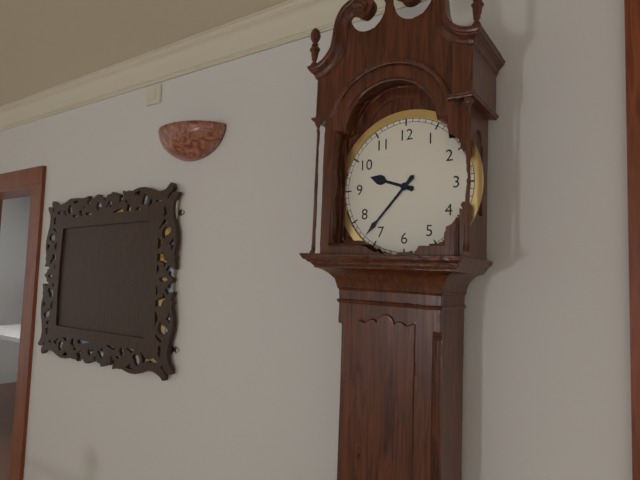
9:37
